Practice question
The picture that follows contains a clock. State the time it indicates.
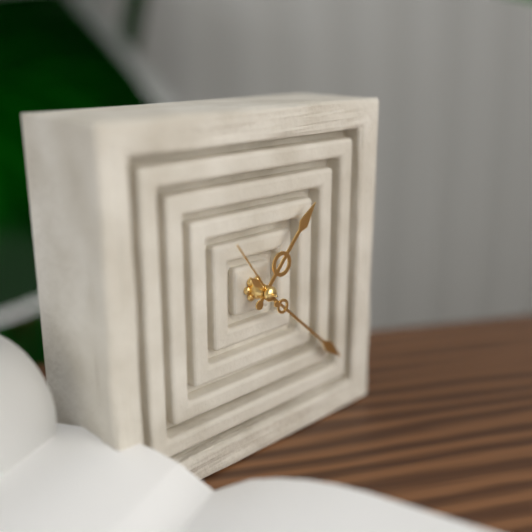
1:22:54
